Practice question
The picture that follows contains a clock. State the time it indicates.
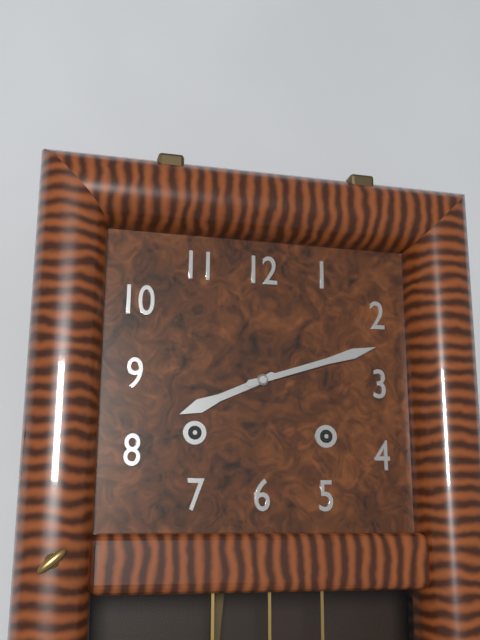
8:12
